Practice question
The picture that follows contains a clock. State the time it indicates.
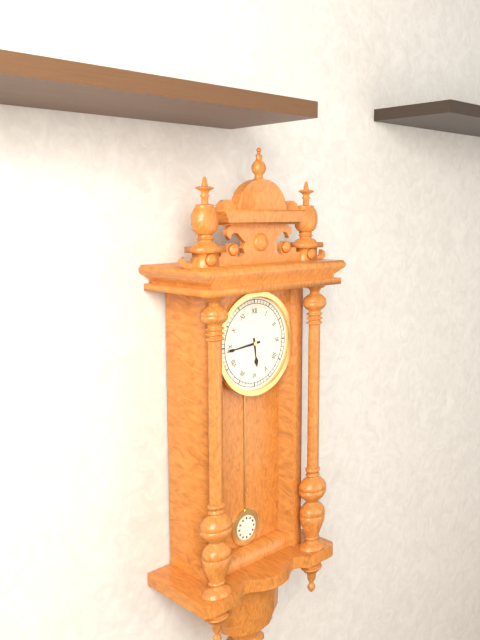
5:44
